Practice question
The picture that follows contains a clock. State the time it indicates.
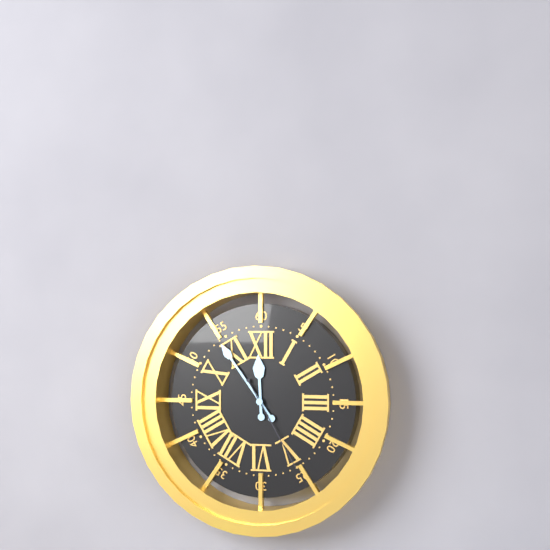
11:54:25
